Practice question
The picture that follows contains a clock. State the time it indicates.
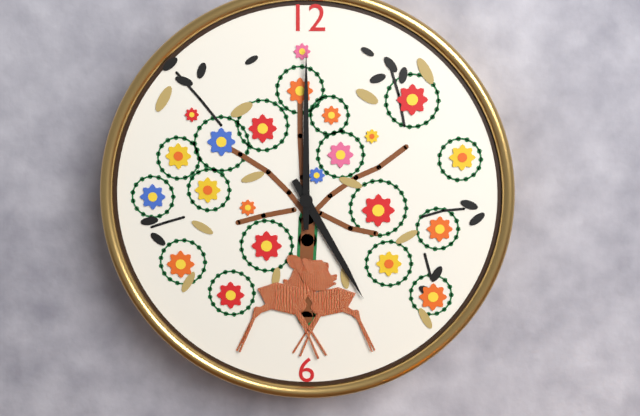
5:00
